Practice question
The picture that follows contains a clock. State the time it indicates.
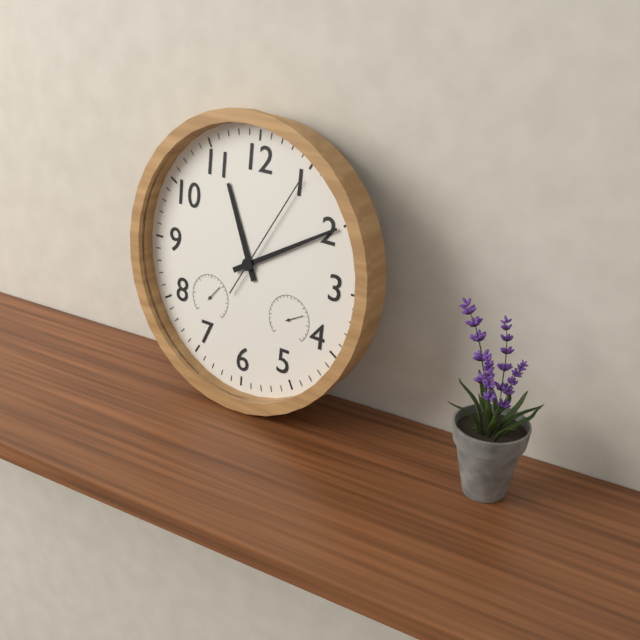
11:10:05
